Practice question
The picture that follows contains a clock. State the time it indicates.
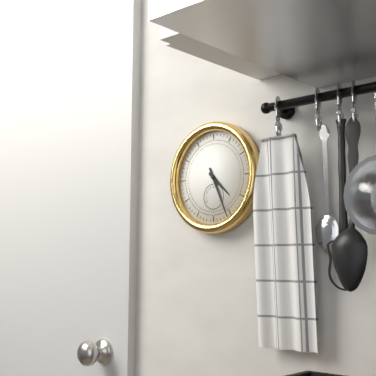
4:26
